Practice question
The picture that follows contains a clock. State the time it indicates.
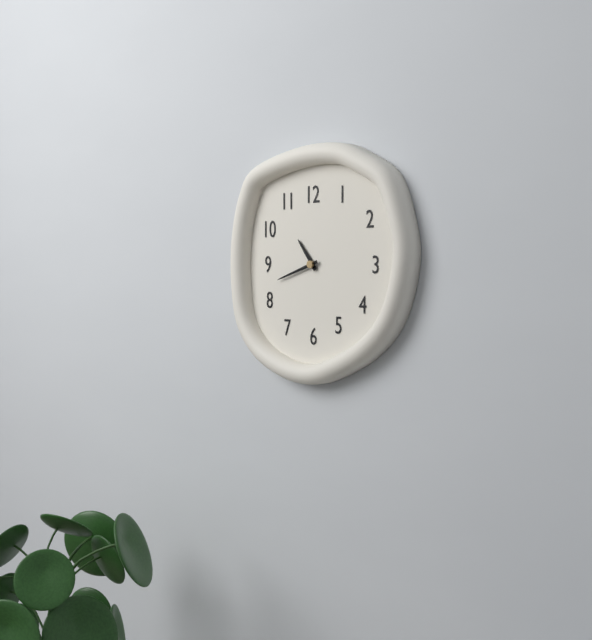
10:42
